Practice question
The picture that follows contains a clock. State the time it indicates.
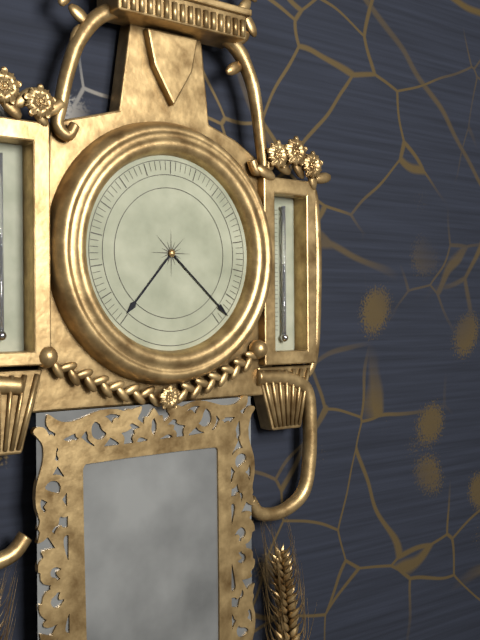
7:22
